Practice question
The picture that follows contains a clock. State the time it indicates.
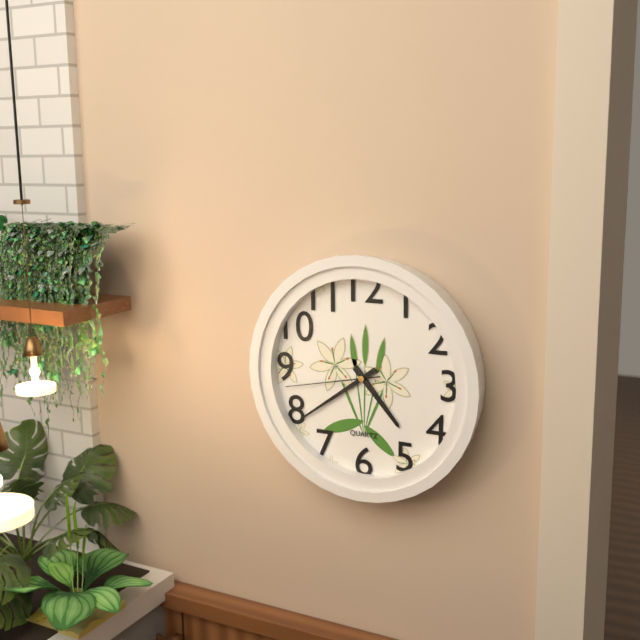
4:39:43
